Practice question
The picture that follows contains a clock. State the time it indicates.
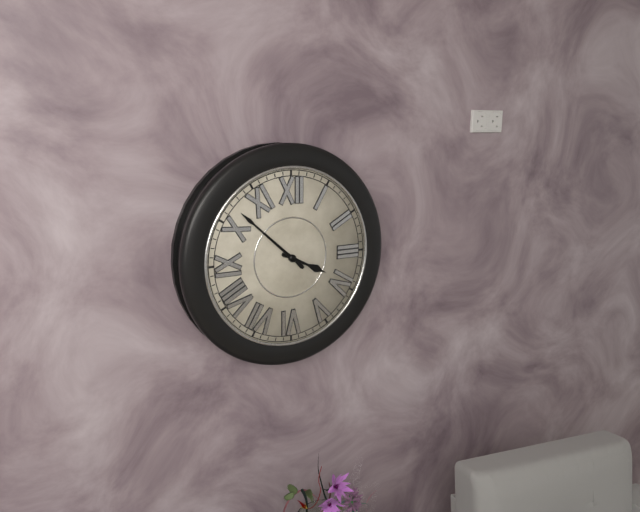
3:52
